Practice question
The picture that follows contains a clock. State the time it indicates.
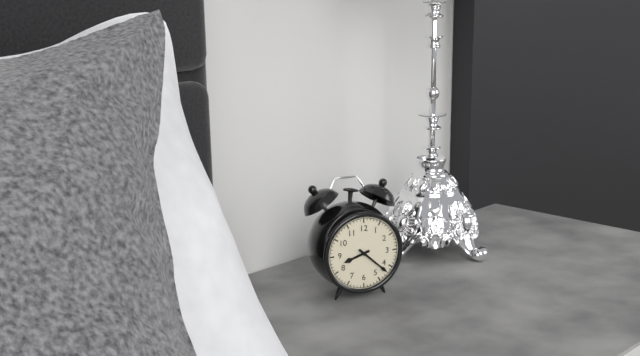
8:22
